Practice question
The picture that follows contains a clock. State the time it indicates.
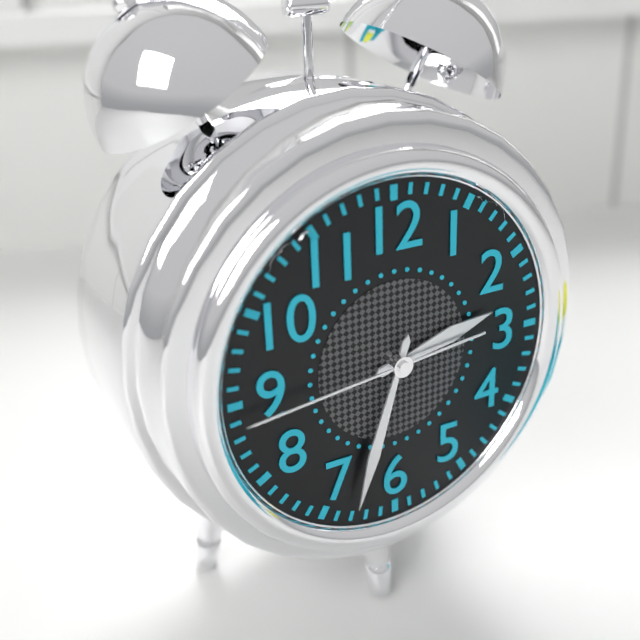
2:33:44
